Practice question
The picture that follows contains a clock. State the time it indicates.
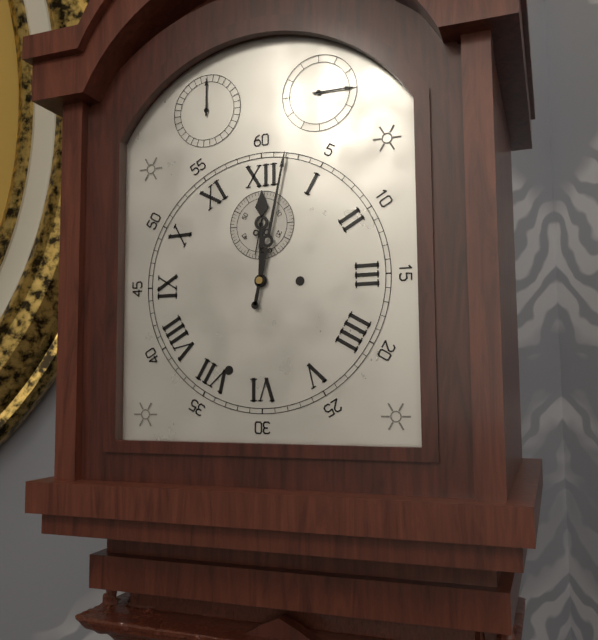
12:02
